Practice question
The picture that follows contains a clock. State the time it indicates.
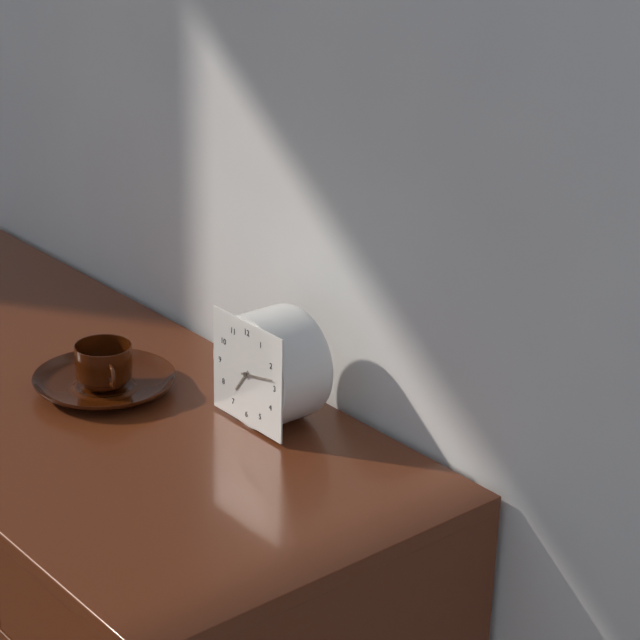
7:13
